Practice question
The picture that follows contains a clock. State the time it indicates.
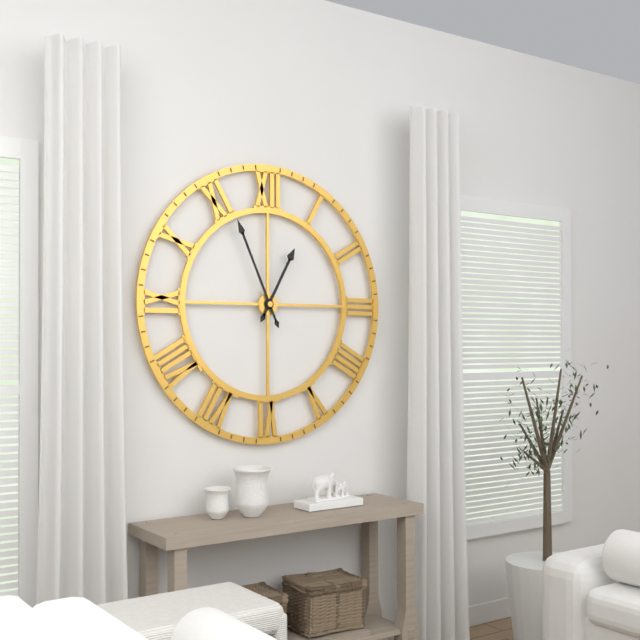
12:56
